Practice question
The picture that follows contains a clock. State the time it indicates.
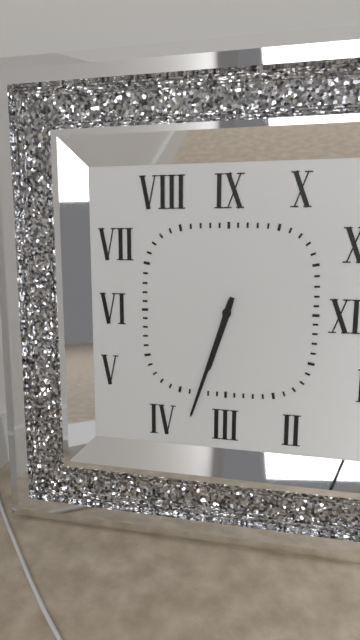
6:33
